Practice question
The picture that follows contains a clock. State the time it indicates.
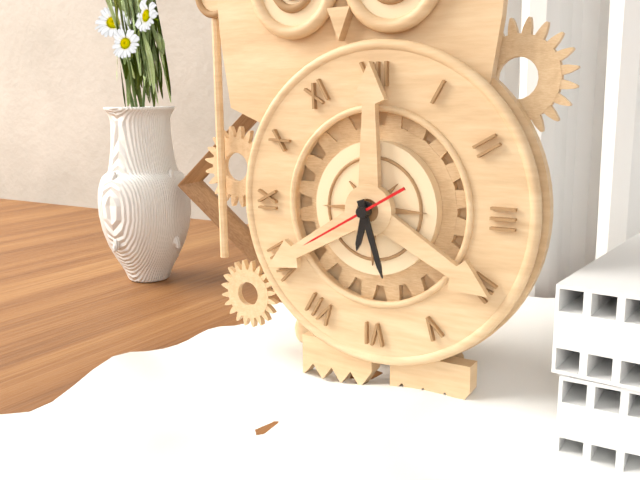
6:27:40
